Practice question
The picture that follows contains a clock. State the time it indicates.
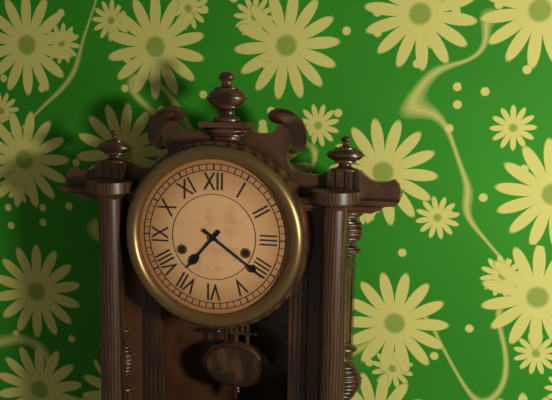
7:21
